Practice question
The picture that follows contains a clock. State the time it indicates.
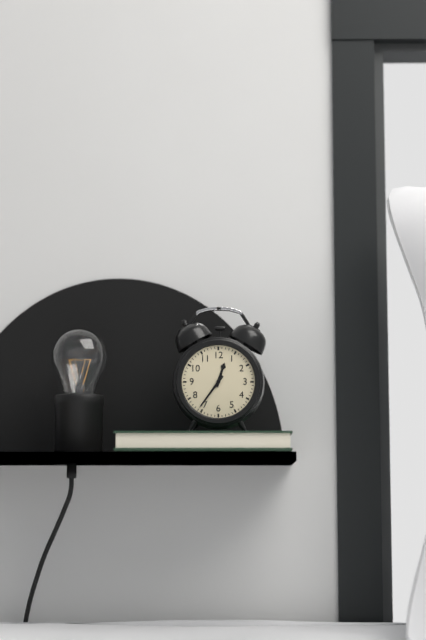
12:36
